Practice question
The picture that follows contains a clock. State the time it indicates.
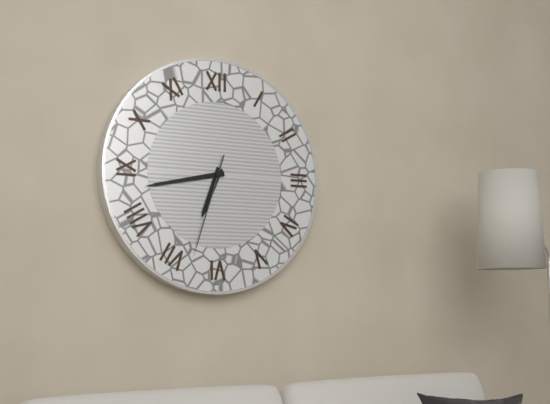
6:43:33
